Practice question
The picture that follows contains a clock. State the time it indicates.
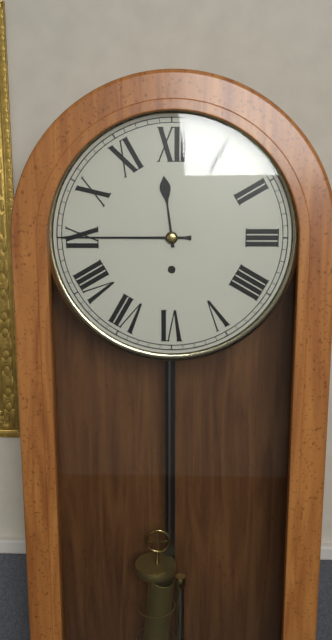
11:45
